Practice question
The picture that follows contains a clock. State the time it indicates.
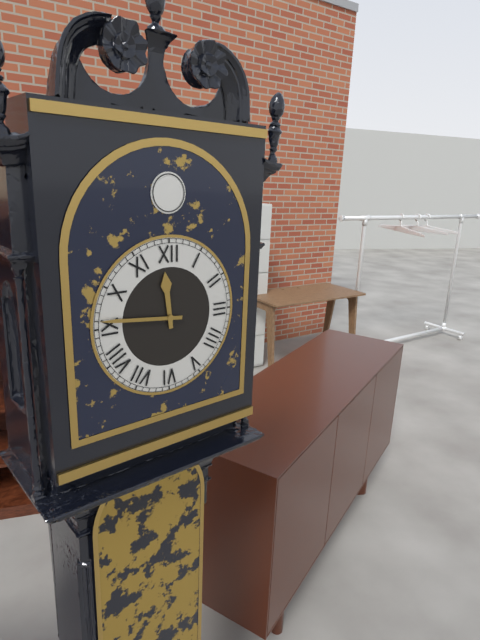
11:46
